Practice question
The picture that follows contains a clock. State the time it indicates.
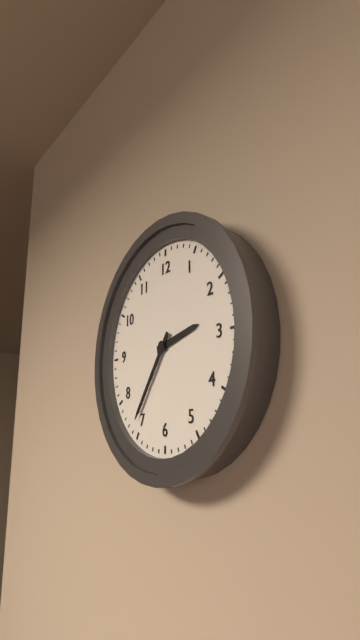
2:36
